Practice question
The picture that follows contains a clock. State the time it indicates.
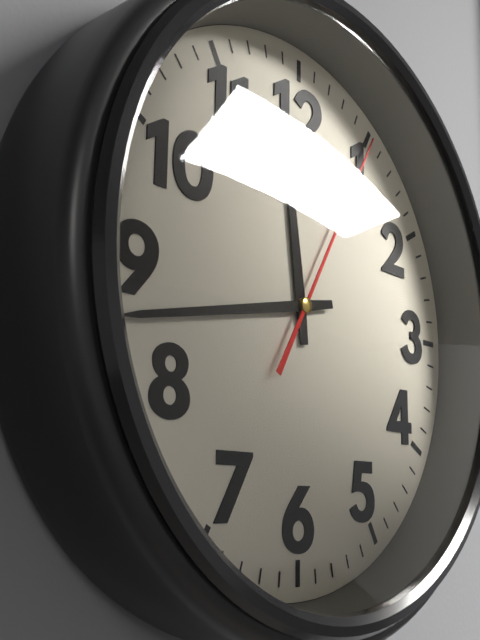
11:43:05
